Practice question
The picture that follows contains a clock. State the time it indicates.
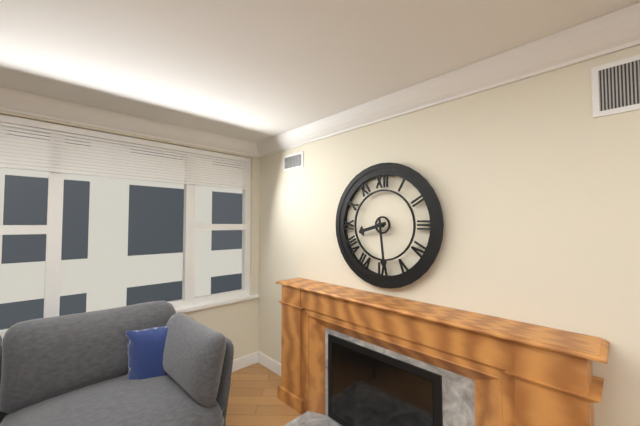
8:29
